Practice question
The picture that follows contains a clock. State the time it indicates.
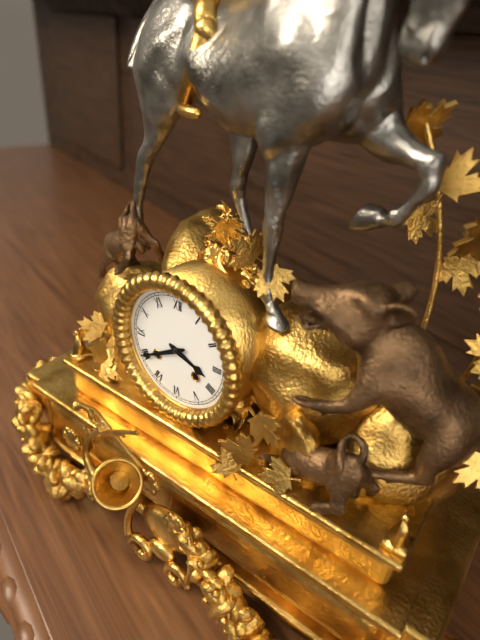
3:40
